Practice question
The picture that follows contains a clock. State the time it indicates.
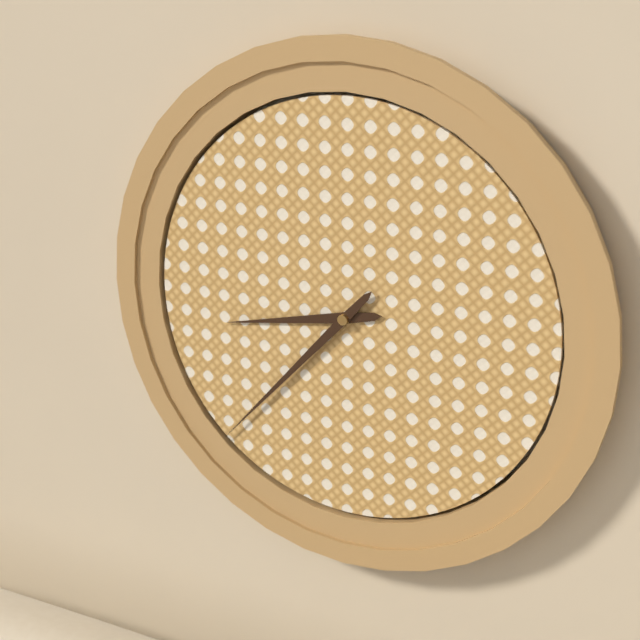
8:37
